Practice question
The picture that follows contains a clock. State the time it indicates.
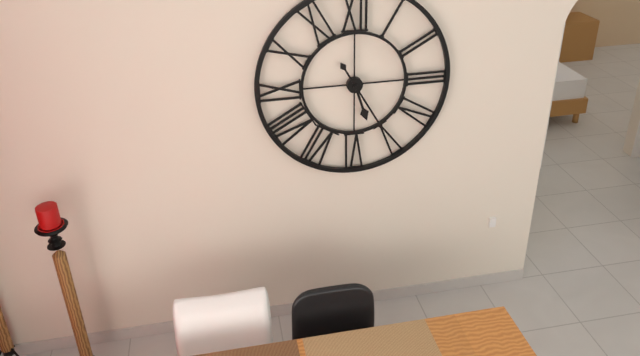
5:25
